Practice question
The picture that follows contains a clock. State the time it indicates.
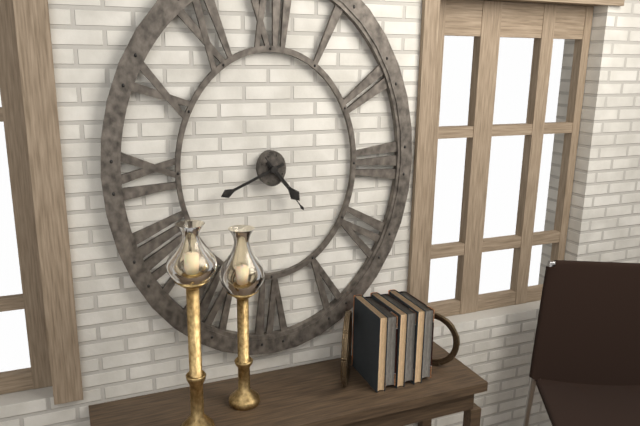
4:41:24
